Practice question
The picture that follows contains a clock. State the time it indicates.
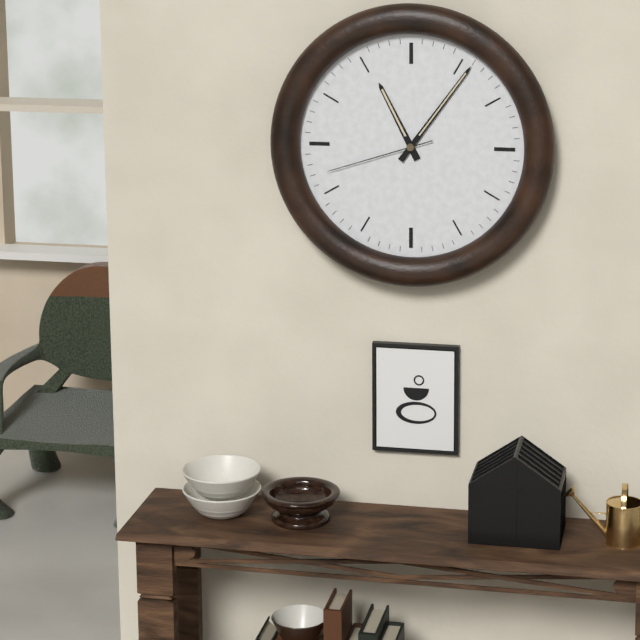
11:06:42
